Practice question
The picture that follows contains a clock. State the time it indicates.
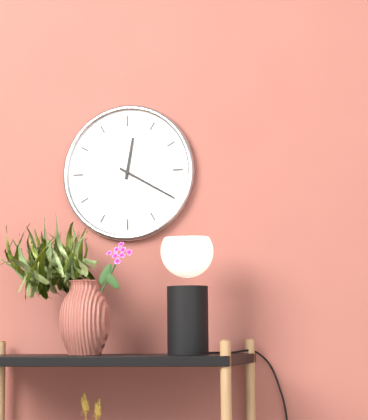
12:20
